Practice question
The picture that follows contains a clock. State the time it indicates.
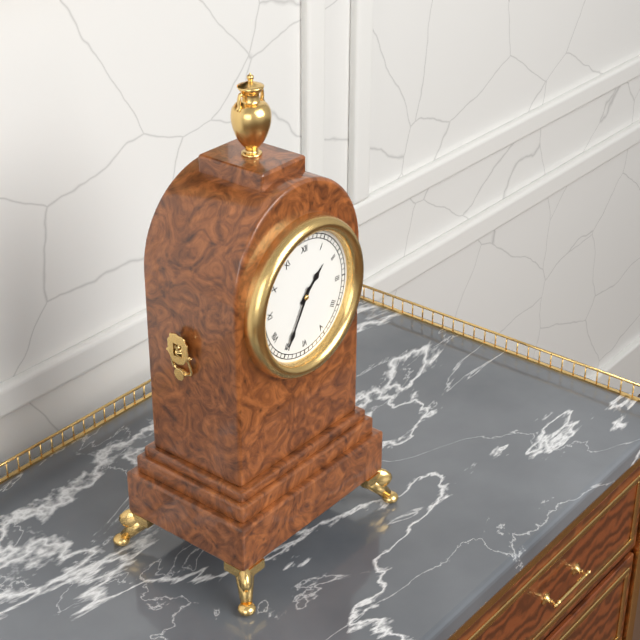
1:35
